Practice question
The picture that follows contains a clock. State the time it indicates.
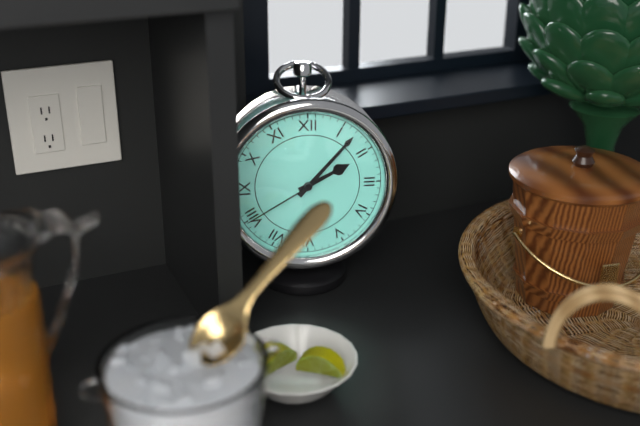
2:07:40
